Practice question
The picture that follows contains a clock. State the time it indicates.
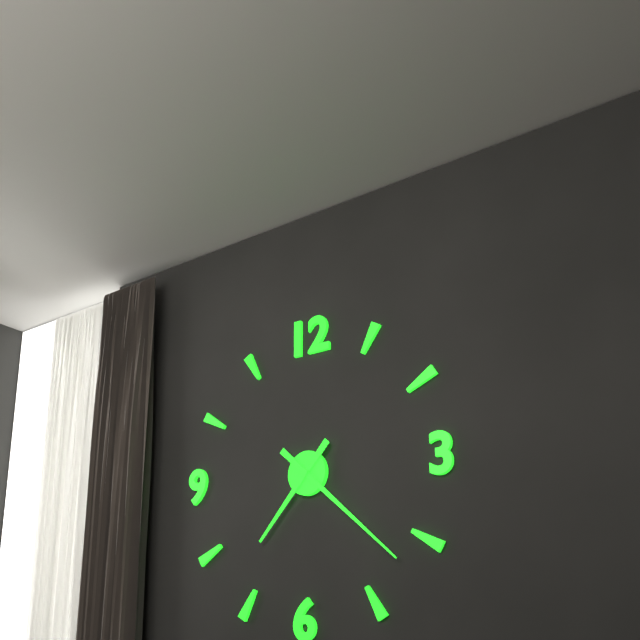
7:22
